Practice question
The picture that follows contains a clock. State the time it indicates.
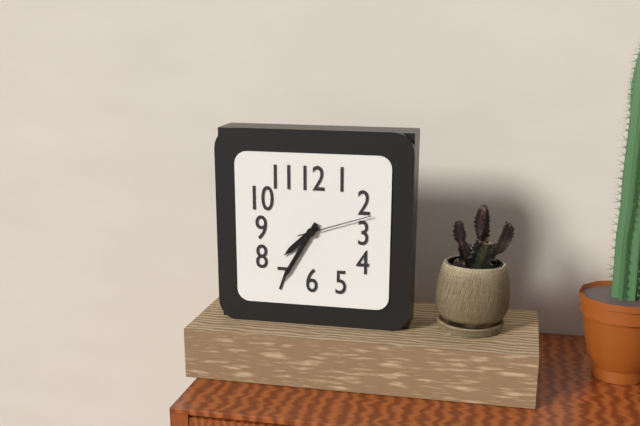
7:35:12
